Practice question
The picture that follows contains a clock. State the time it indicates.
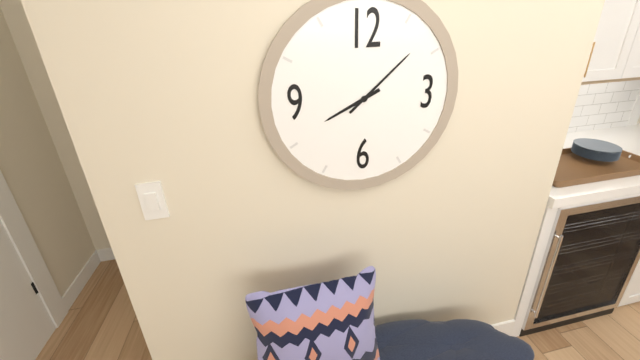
8:08
